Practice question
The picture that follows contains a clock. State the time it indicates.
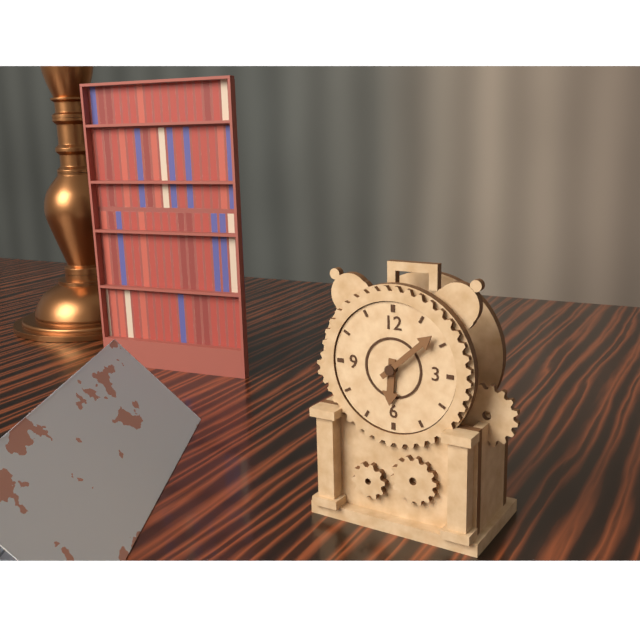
6:08
